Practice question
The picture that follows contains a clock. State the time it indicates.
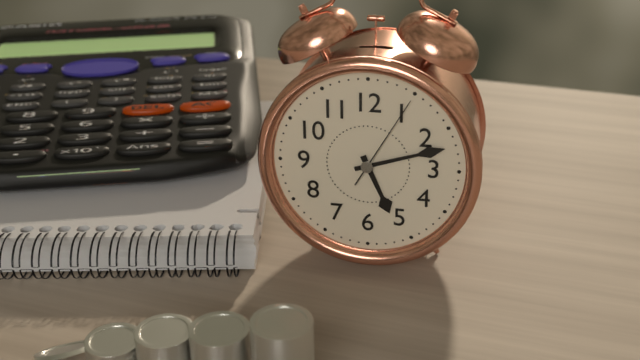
5:12:05
